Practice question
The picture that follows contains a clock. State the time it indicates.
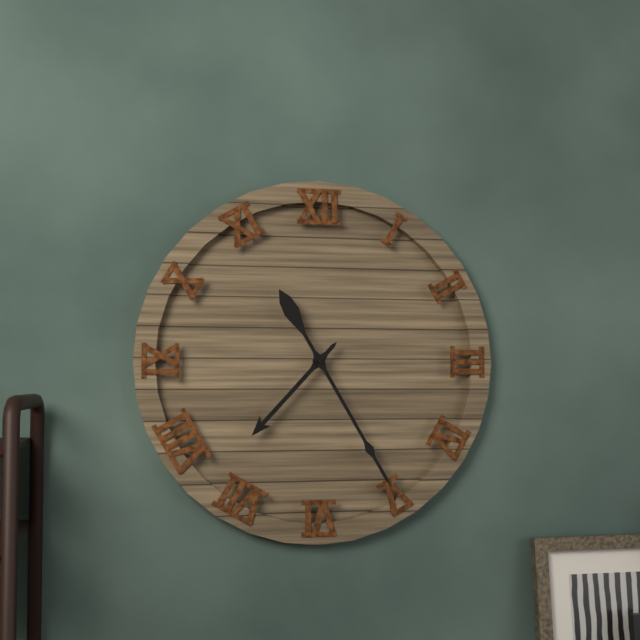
7:25
